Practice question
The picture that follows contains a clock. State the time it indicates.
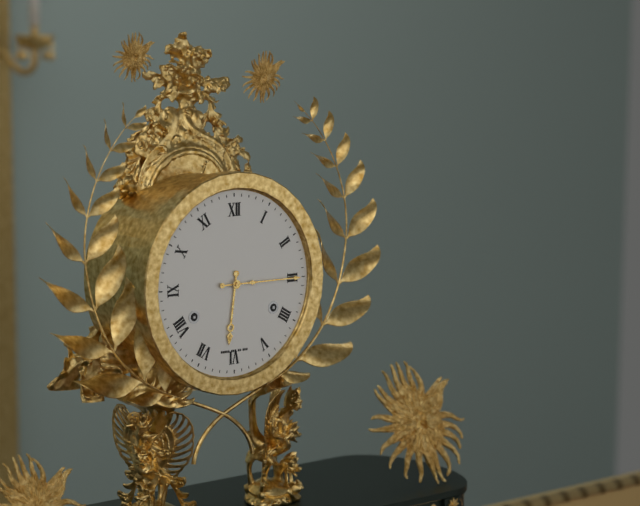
6:15
